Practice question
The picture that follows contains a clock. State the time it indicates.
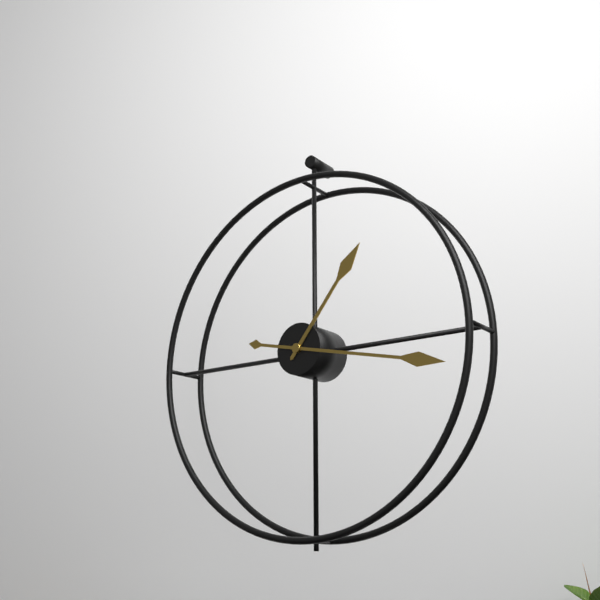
1:17
